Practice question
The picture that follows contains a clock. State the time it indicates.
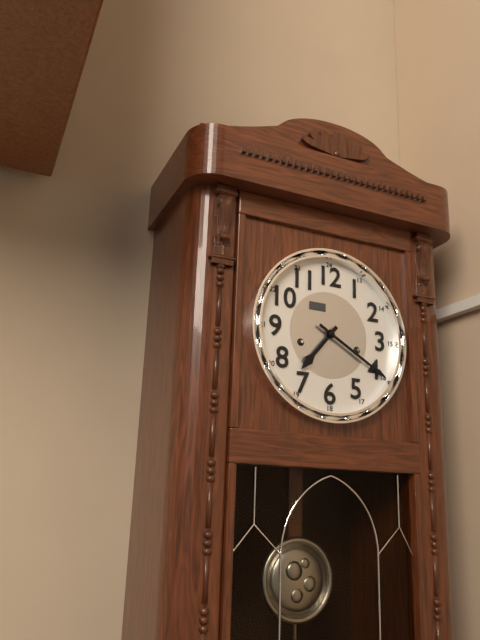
7:20
